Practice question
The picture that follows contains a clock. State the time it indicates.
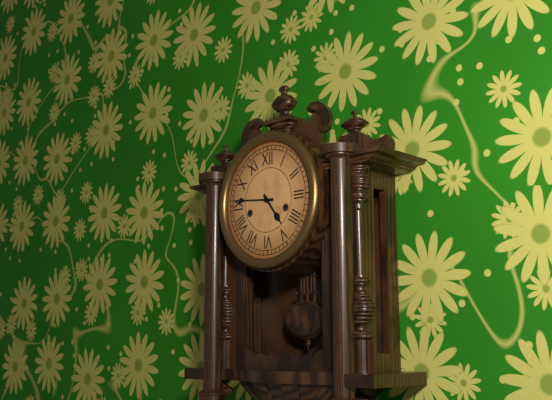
4:46
